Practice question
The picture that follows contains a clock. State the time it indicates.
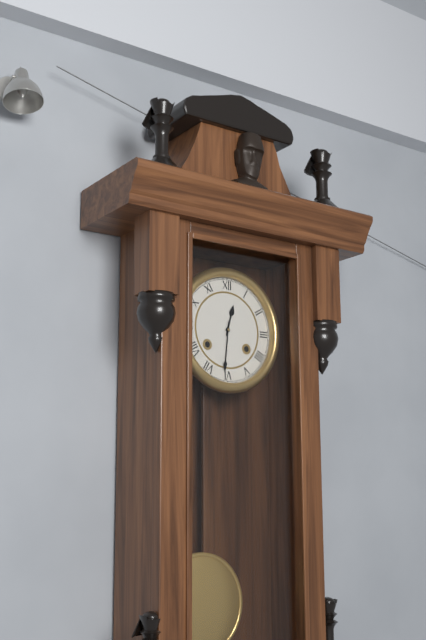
12:31
